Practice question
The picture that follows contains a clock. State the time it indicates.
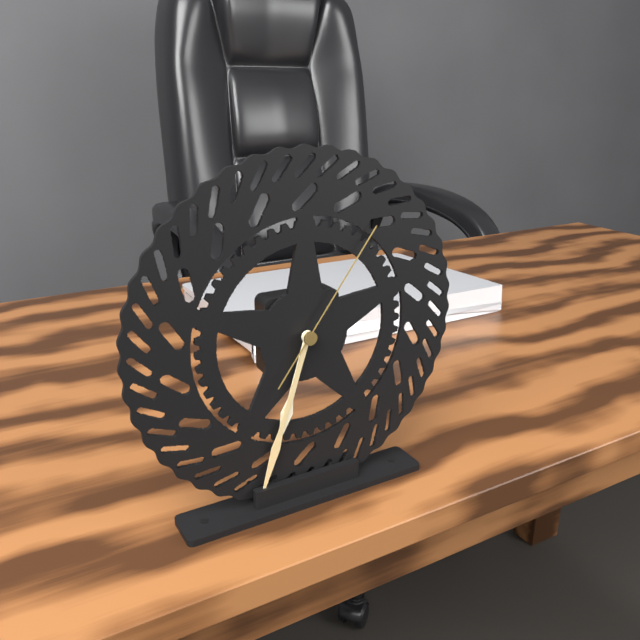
6:33:06
